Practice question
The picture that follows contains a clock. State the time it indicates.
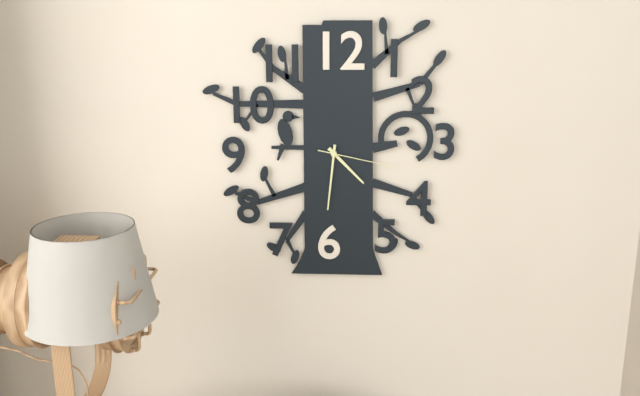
4:31:17
